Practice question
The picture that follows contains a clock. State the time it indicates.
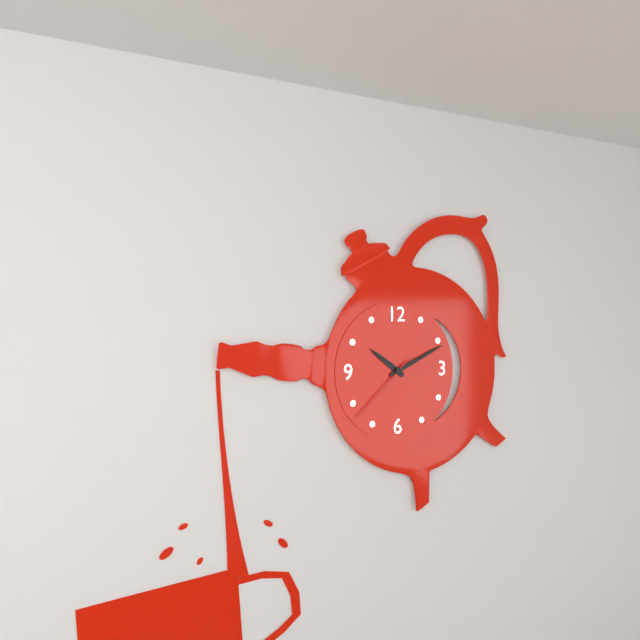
10:11:38
